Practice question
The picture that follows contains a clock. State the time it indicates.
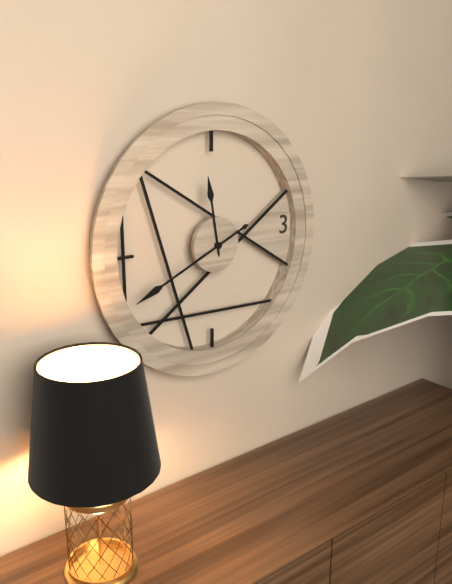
11:41
